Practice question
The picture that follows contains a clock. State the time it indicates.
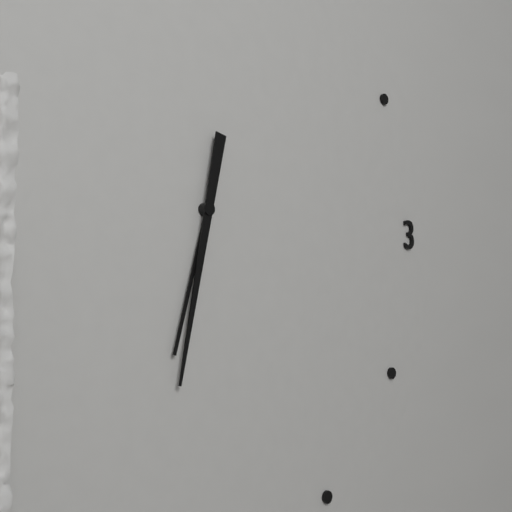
6:32
